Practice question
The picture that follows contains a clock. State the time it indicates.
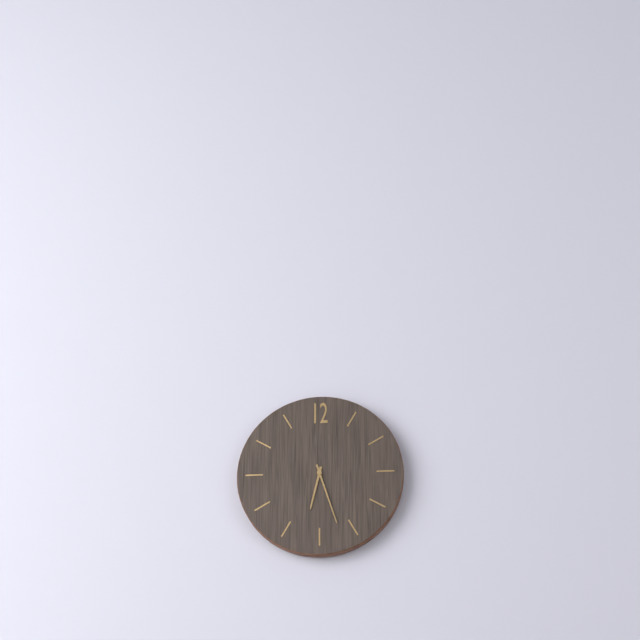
6:27
